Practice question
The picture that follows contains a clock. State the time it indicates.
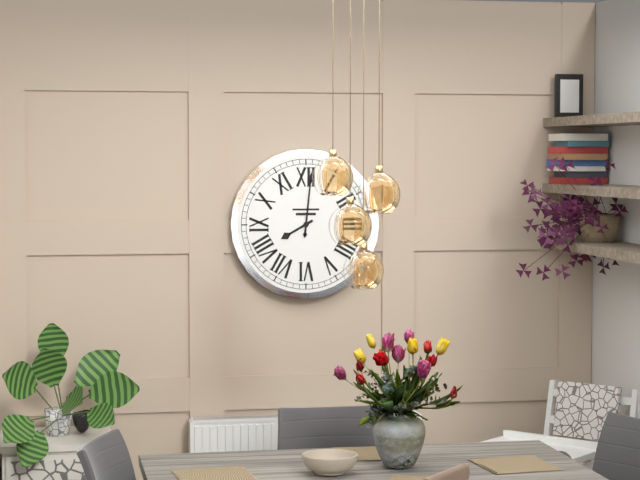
8:01
